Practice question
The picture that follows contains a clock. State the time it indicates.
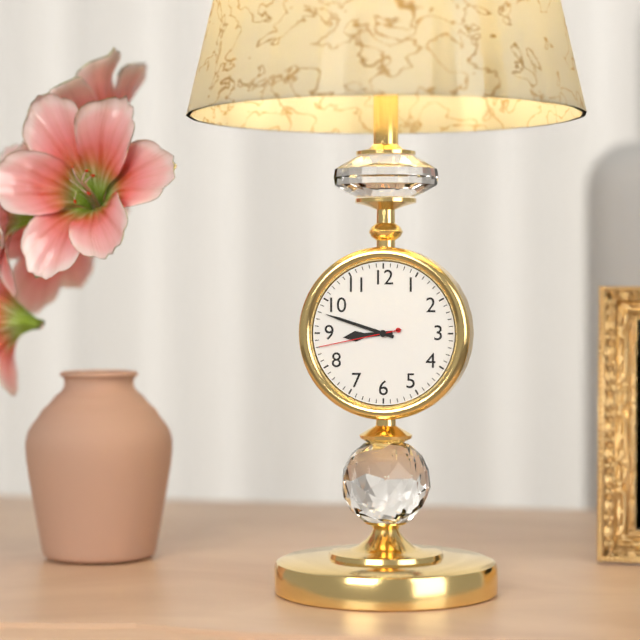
8:48:43
